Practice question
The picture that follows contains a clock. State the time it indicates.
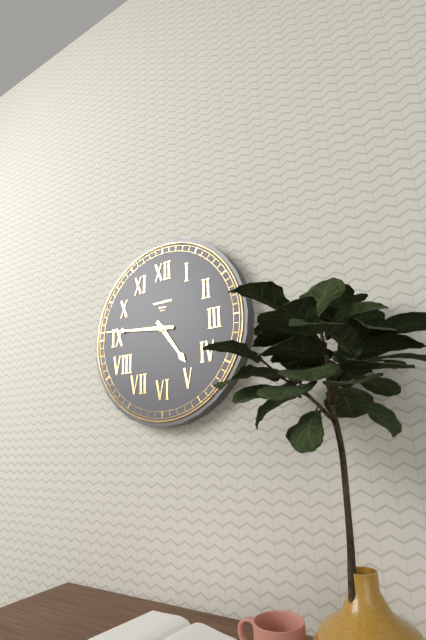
4:46
